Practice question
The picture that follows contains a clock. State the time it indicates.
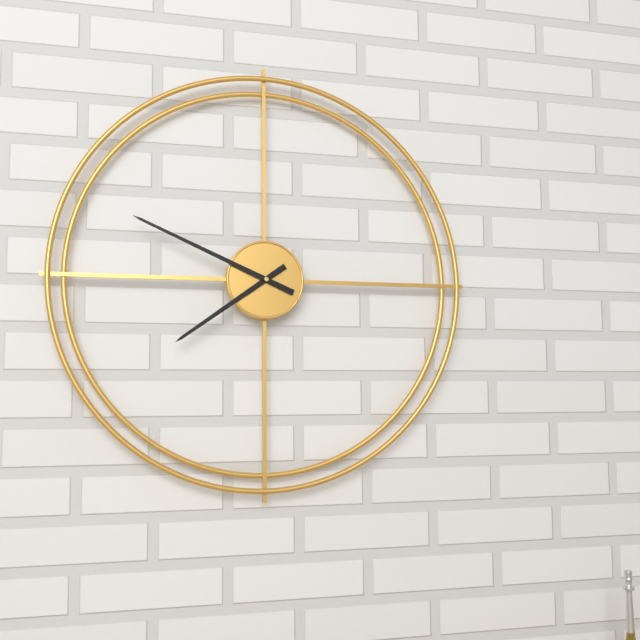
7:49
